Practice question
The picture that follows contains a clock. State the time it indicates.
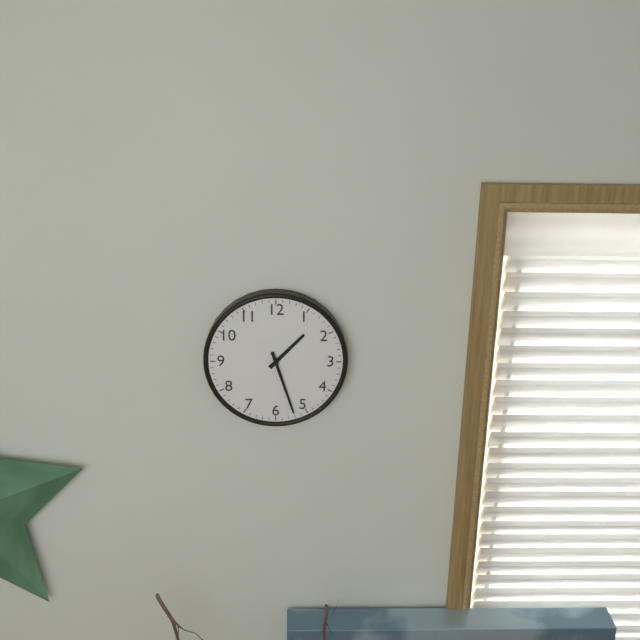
1:27
